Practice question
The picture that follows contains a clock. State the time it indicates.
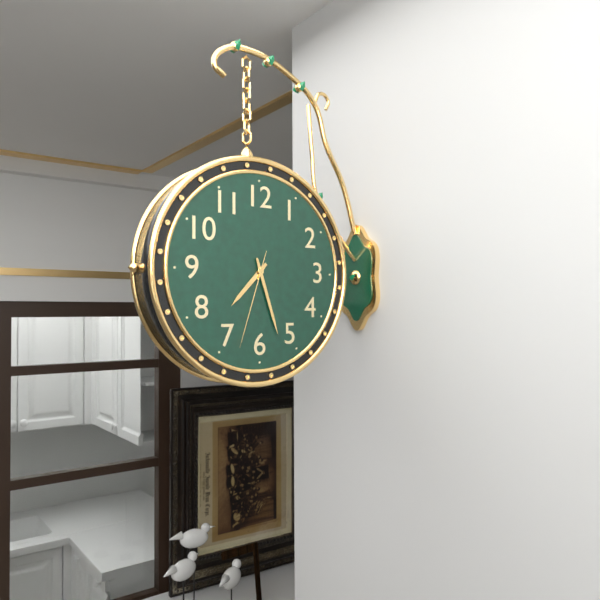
7:27:33
